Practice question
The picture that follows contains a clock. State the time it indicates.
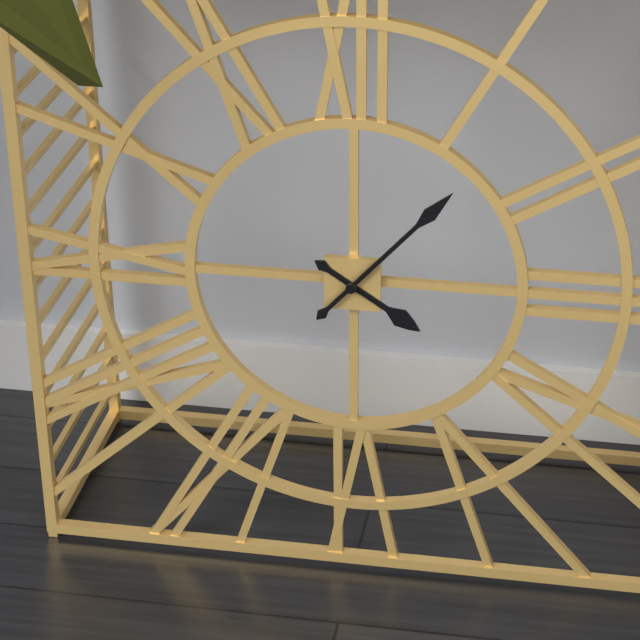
4:07
